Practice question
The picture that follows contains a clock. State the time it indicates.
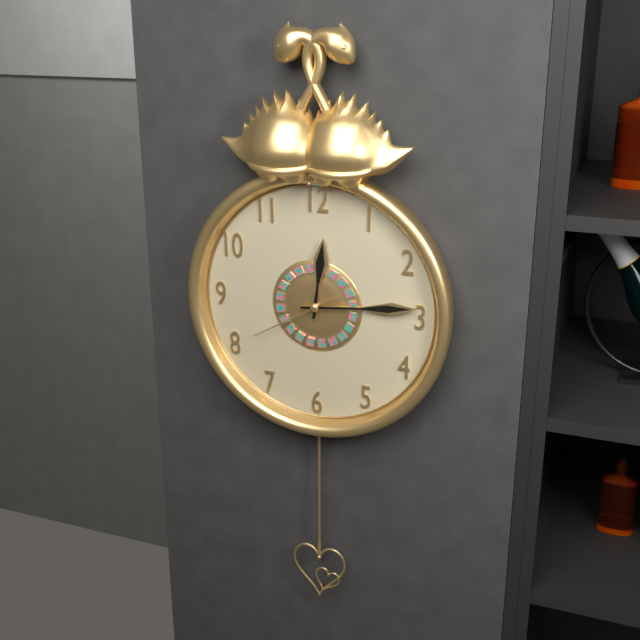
12:14:40
